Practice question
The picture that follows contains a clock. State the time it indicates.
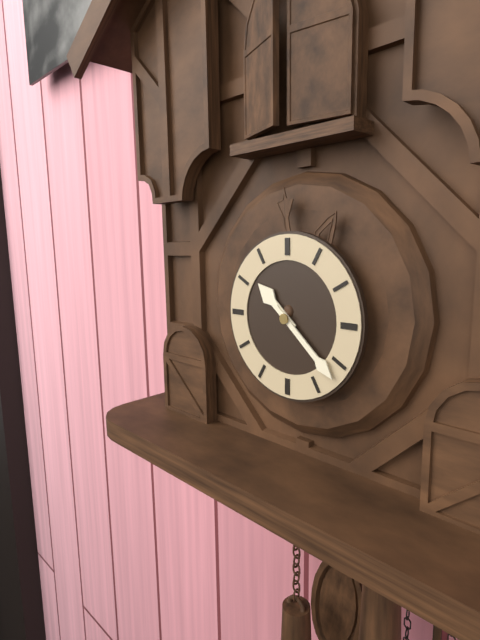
10:22
